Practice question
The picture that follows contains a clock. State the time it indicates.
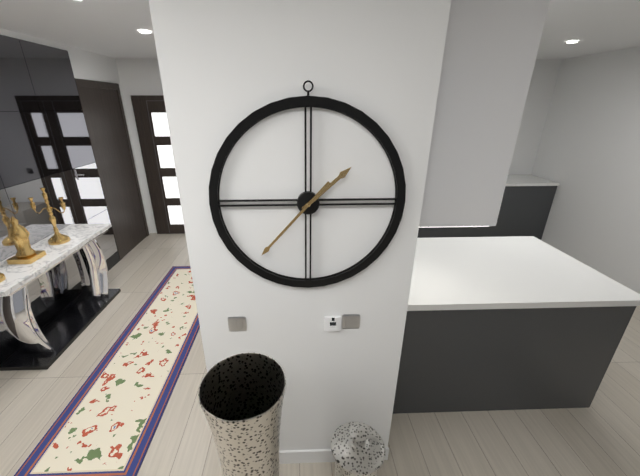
1:37
